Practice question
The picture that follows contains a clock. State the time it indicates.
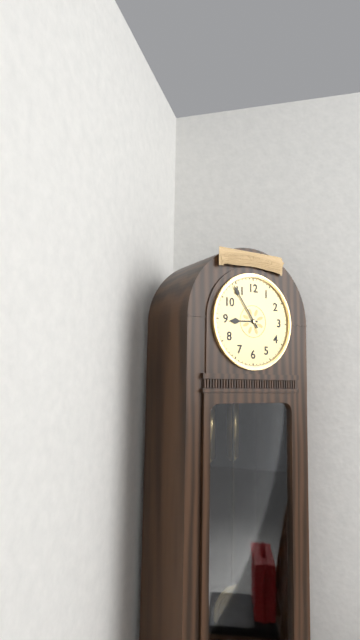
8:54
